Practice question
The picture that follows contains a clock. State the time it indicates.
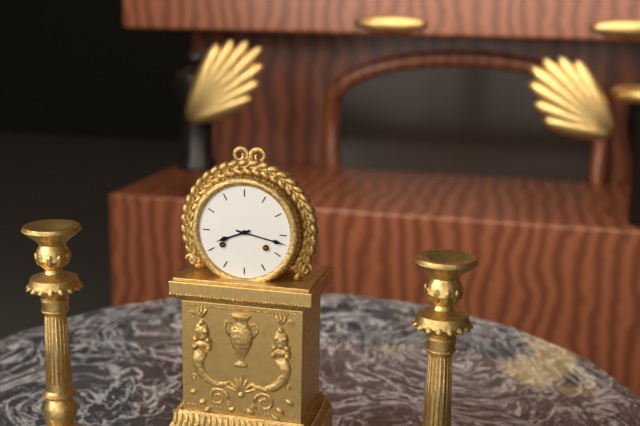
8:17
